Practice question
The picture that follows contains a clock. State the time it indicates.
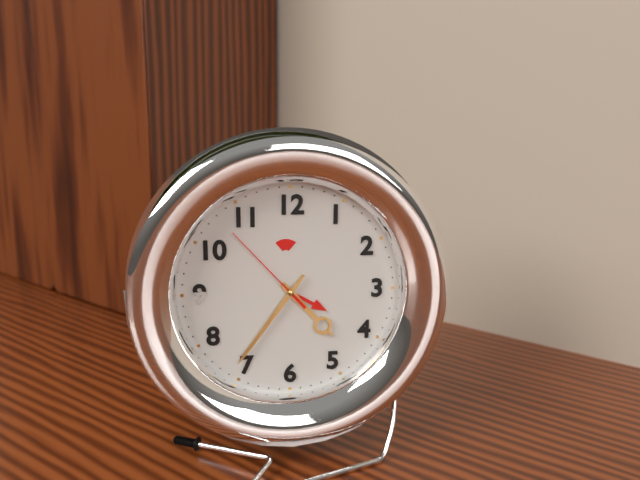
4:36:53
